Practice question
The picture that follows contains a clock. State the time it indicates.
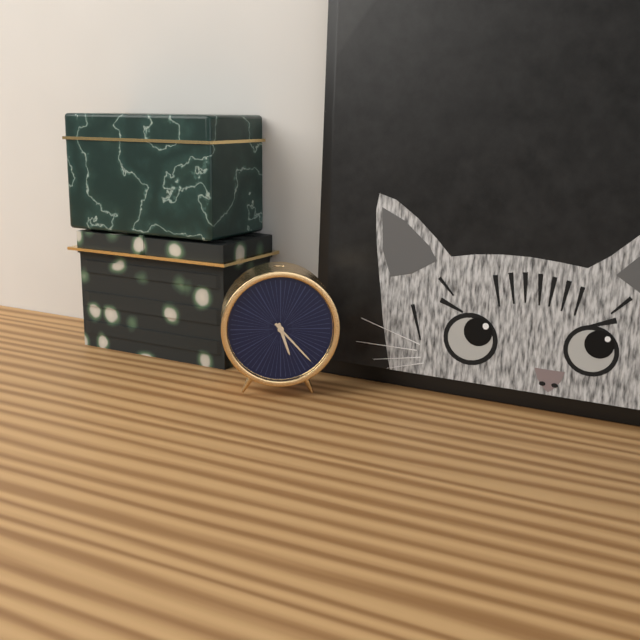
5:23
